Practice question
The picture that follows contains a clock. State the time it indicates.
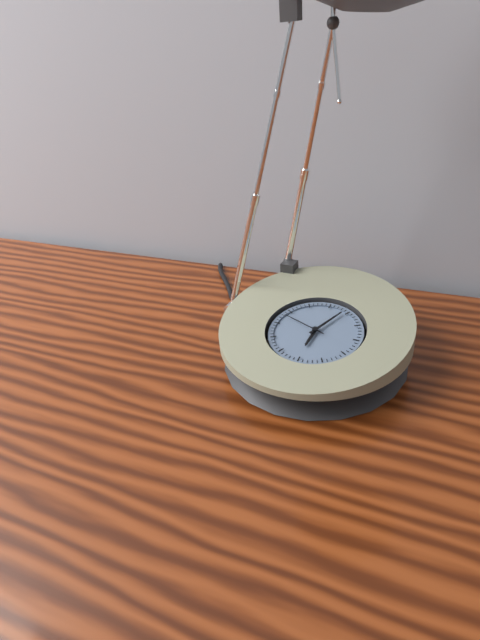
6:04
